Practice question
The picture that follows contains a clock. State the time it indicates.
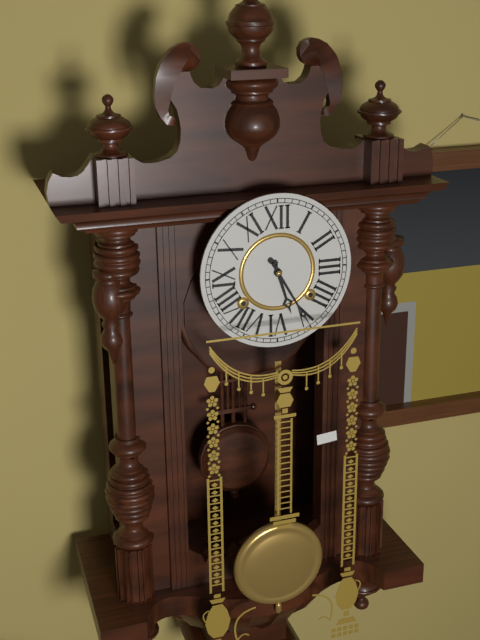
5:25
